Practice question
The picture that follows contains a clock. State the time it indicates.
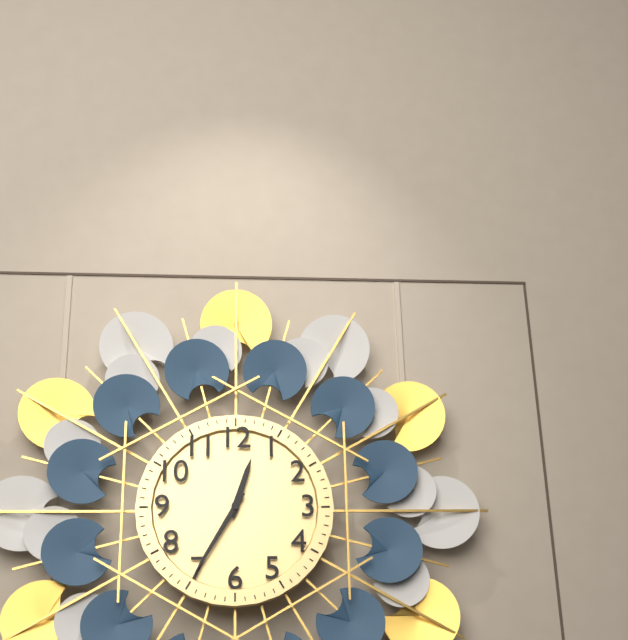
12:35
